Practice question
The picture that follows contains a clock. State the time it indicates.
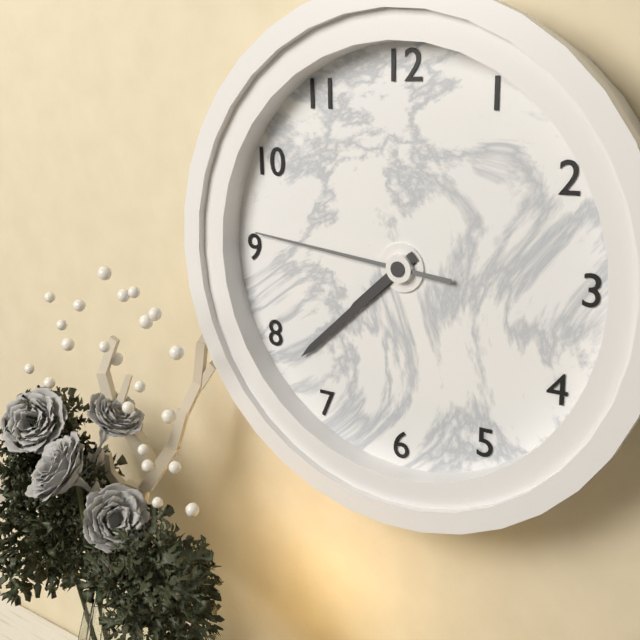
7:38:46
